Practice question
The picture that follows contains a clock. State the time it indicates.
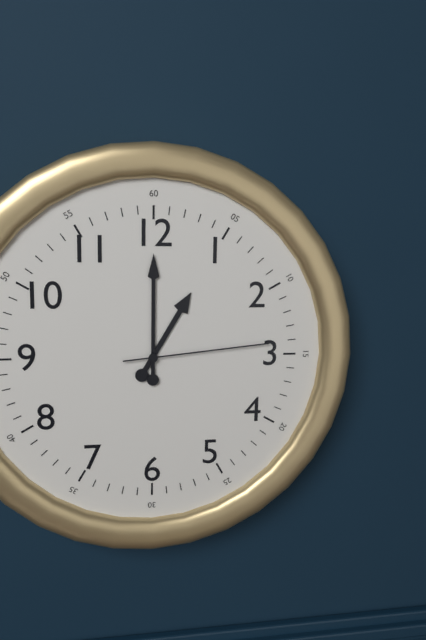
1:00:14
